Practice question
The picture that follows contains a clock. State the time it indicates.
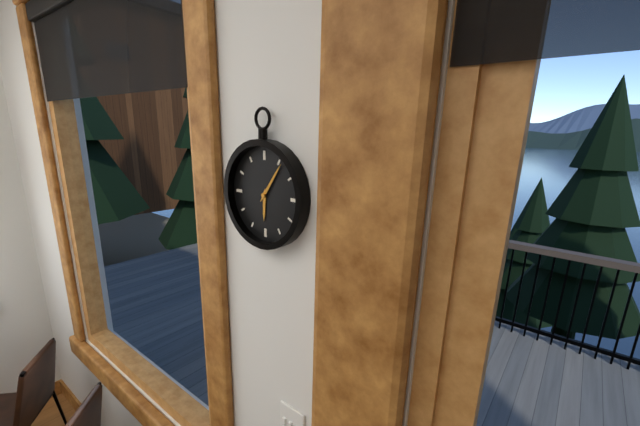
6:06
